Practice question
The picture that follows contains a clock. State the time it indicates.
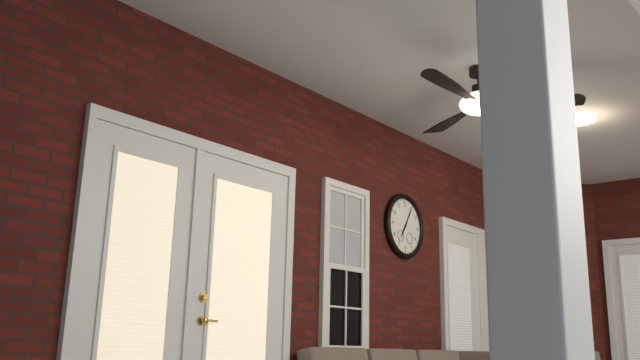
7:05
